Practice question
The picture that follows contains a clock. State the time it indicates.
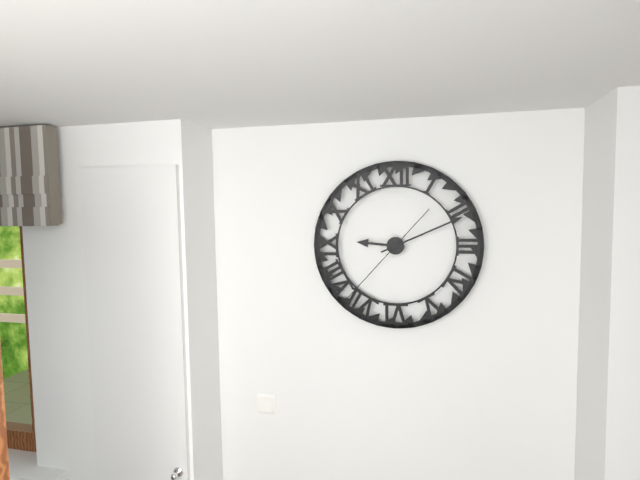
9:11:37
